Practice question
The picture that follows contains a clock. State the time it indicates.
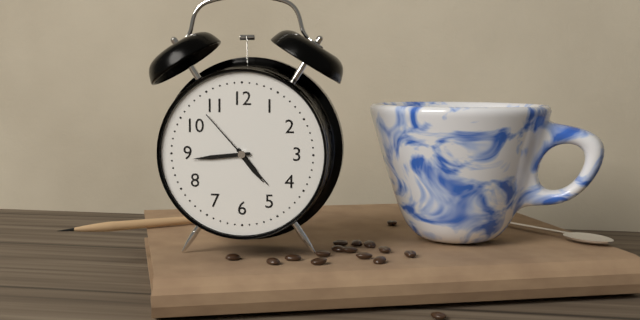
4:44:53
